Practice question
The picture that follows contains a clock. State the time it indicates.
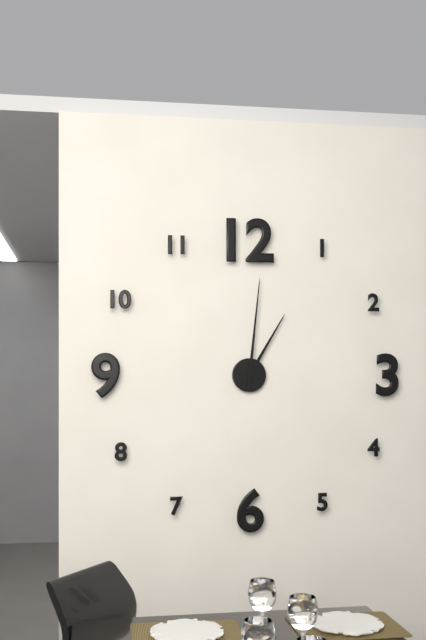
1:01
